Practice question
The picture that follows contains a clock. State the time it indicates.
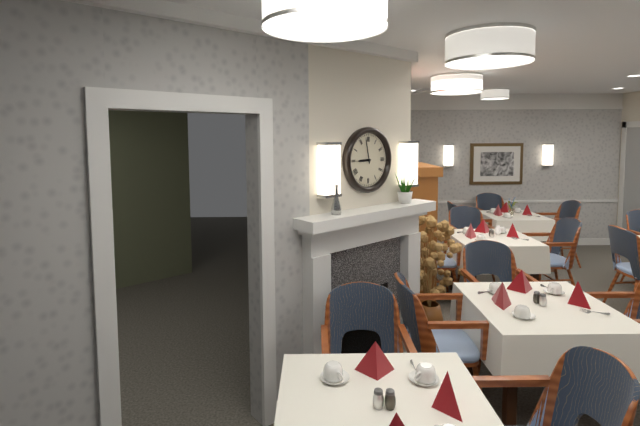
8:58
